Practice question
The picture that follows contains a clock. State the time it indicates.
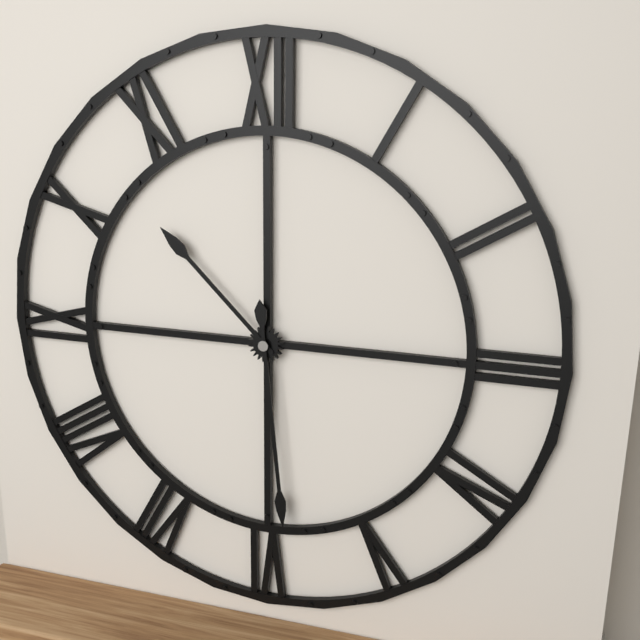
10:29
